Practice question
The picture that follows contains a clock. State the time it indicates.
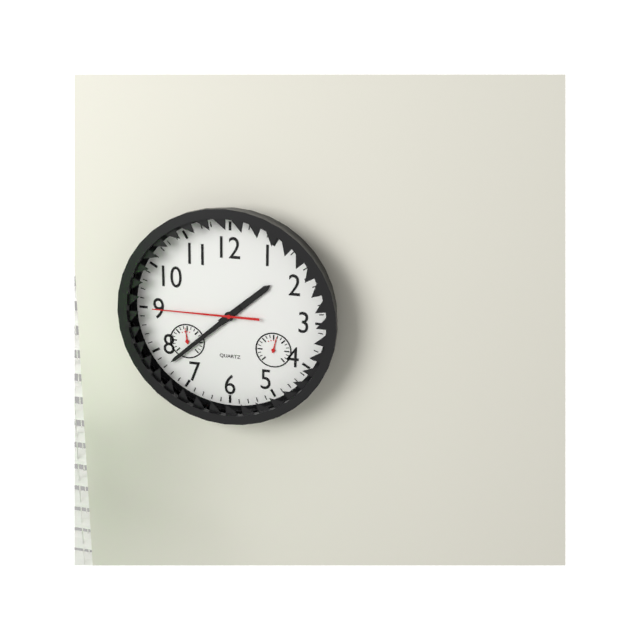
1:38:45
